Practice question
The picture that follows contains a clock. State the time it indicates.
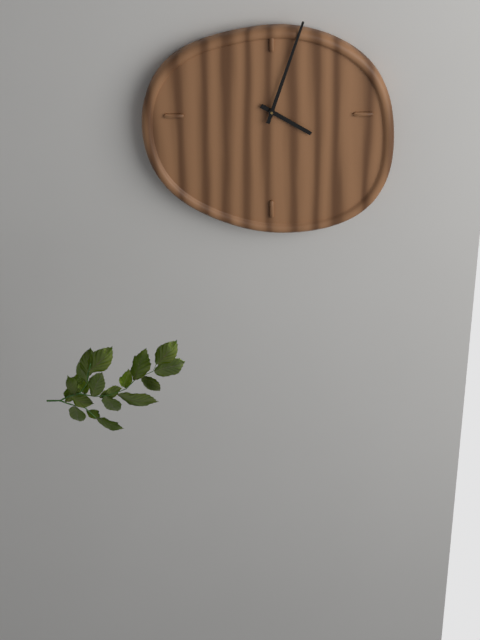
4:03
